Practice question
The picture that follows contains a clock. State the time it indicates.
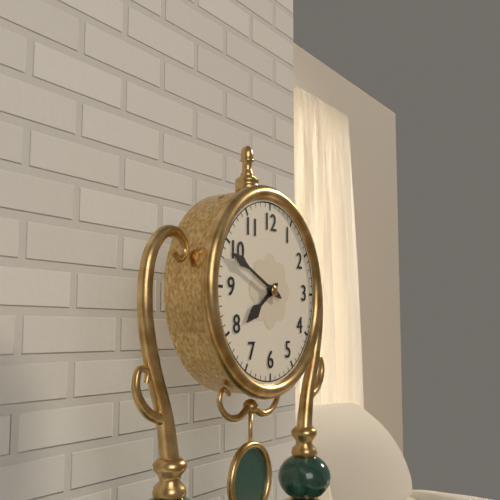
7:49
